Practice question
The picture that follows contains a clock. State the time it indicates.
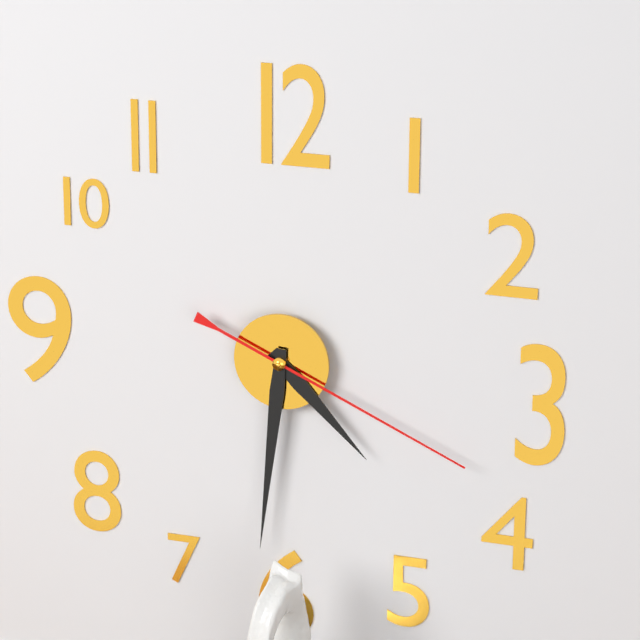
4:31:19
